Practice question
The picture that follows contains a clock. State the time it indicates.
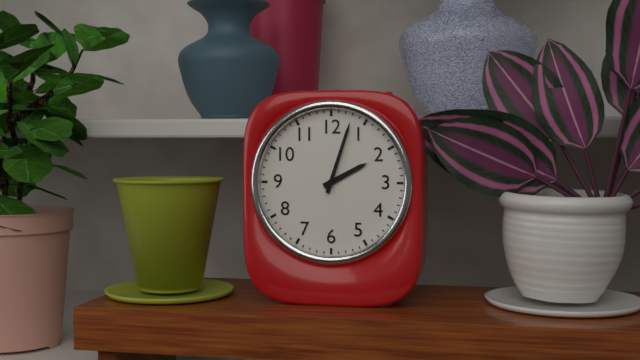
2:03
